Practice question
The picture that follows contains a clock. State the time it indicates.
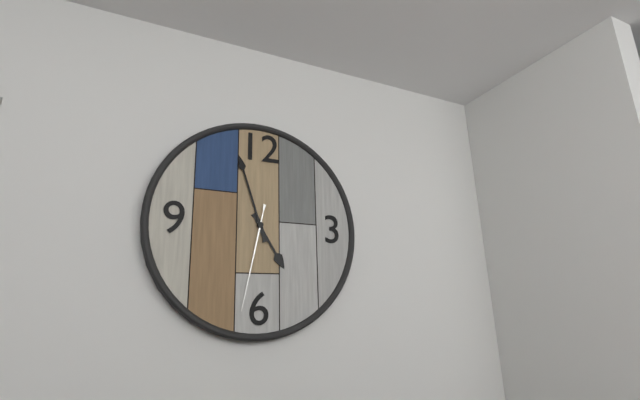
4:57:32
